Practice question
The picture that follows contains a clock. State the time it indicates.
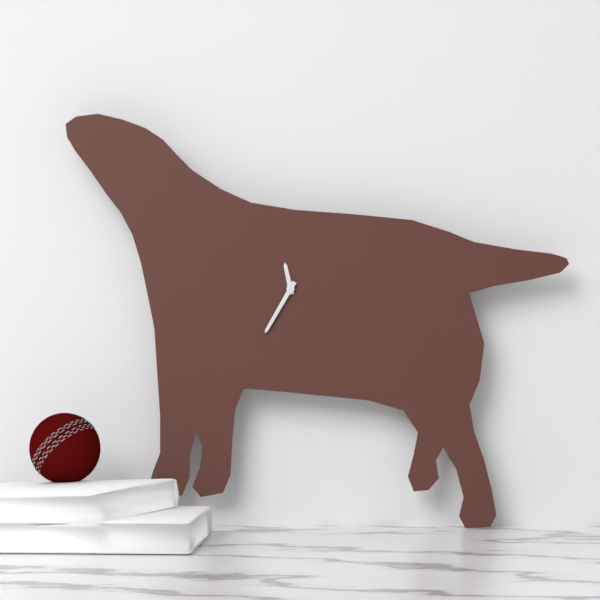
11:35
